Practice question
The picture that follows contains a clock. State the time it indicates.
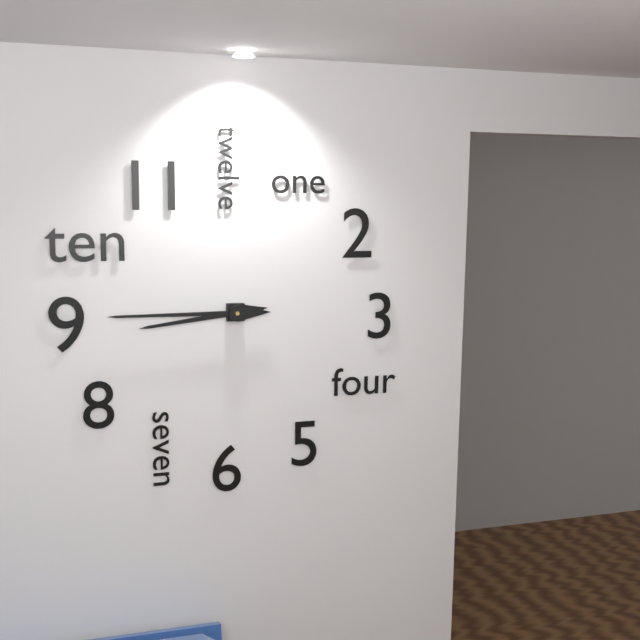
8:45
